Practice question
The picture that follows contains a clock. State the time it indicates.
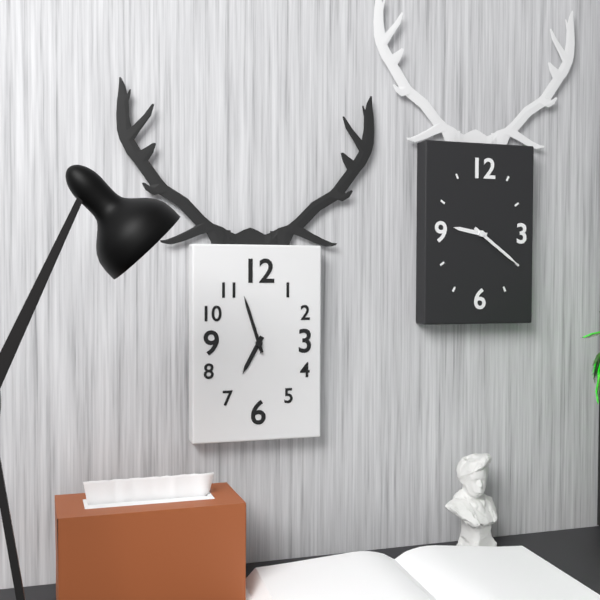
6:57
